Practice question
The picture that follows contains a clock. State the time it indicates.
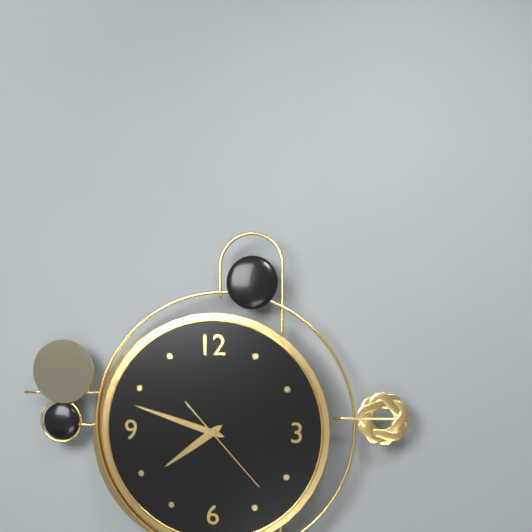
7:48:23
